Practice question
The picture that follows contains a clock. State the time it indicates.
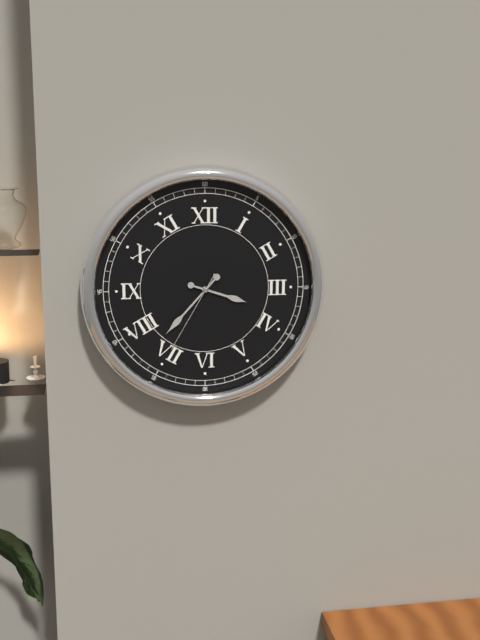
3:37:35
